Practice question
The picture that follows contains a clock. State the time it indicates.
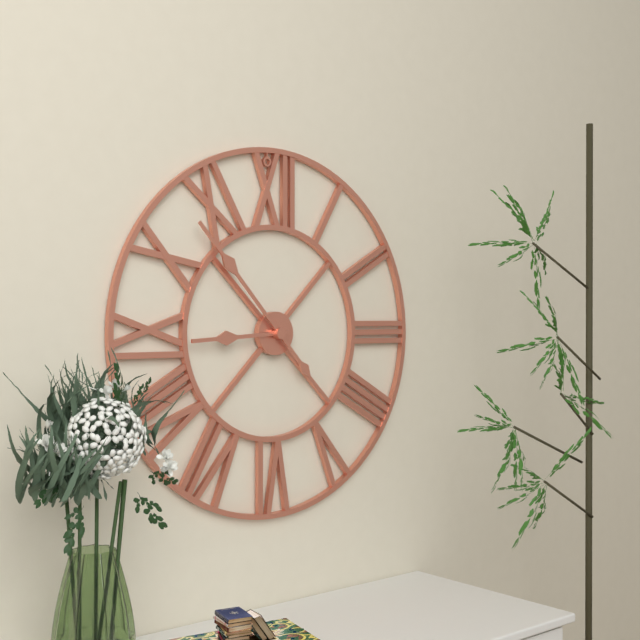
8:53
